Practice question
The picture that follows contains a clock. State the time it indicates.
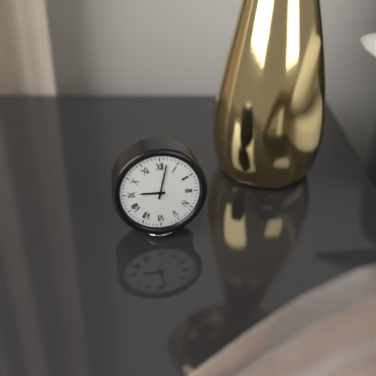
9:02
